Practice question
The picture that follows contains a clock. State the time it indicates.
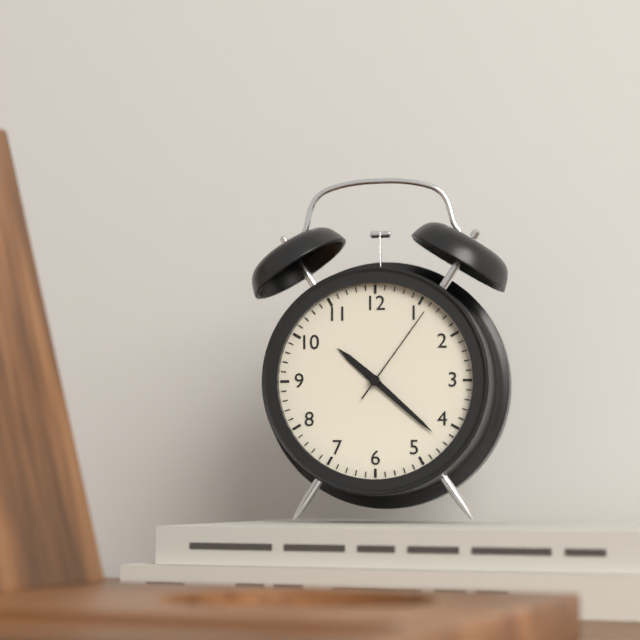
10:22:06
